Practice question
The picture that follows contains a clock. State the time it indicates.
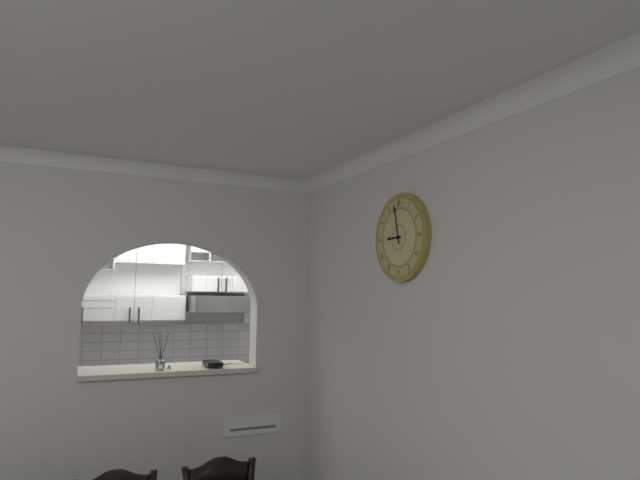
8:58
